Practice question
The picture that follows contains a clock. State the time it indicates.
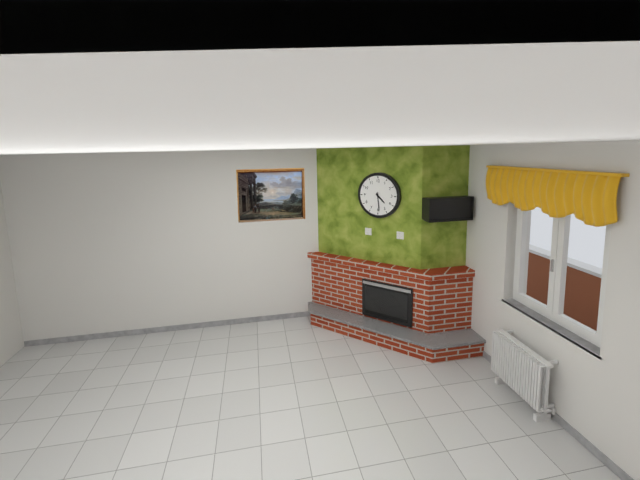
4:29
